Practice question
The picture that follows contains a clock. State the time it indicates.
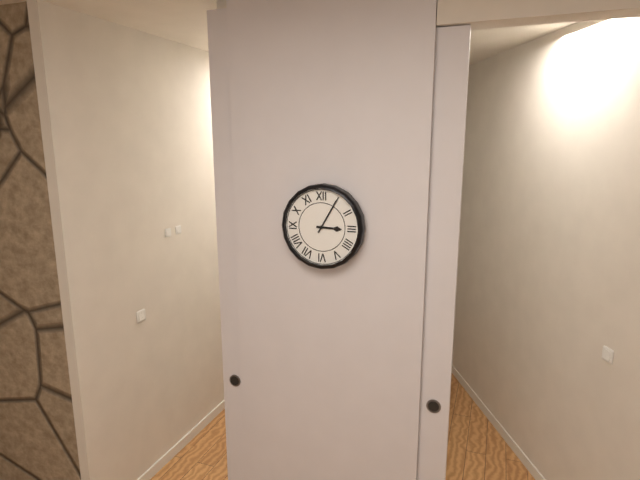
3:05
